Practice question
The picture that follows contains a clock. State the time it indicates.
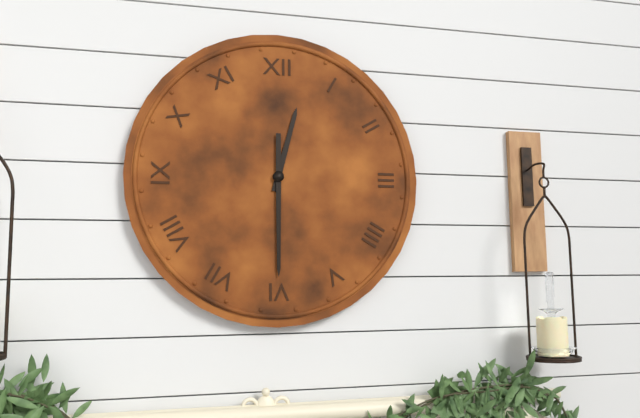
12:30
